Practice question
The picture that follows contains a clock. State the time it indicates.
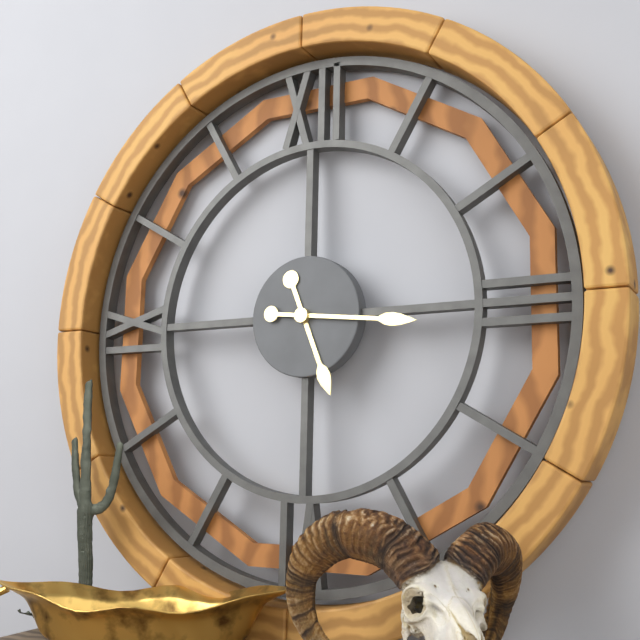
5:16
